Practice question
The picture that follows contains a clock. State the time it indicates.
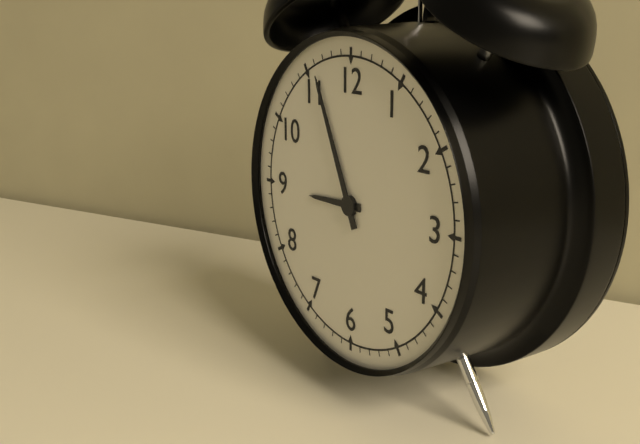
8:56
